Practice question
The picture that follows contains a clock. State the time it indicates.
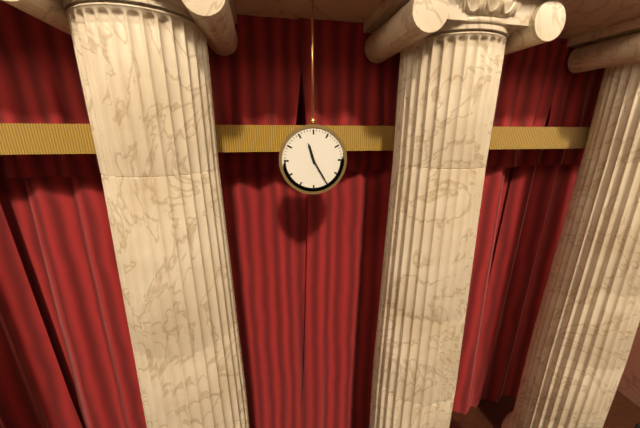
11:25
